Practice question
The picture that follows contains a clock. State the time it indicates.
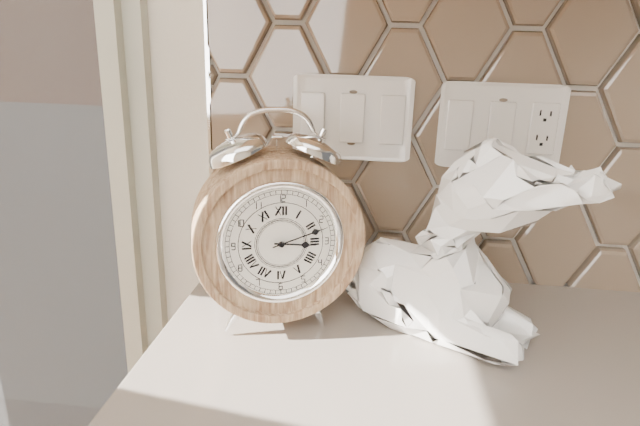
3:12
